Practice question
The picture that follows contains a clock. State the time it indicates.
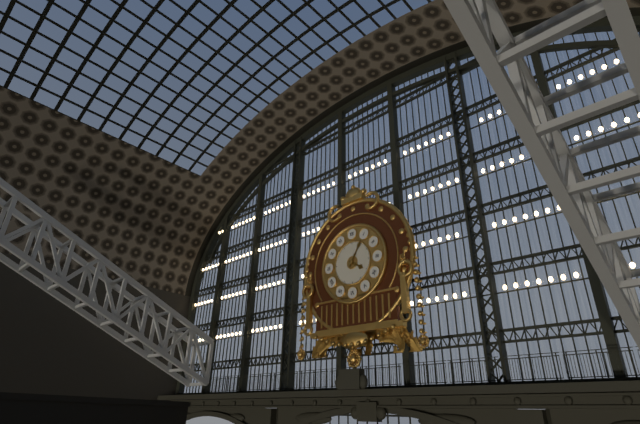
4:05
